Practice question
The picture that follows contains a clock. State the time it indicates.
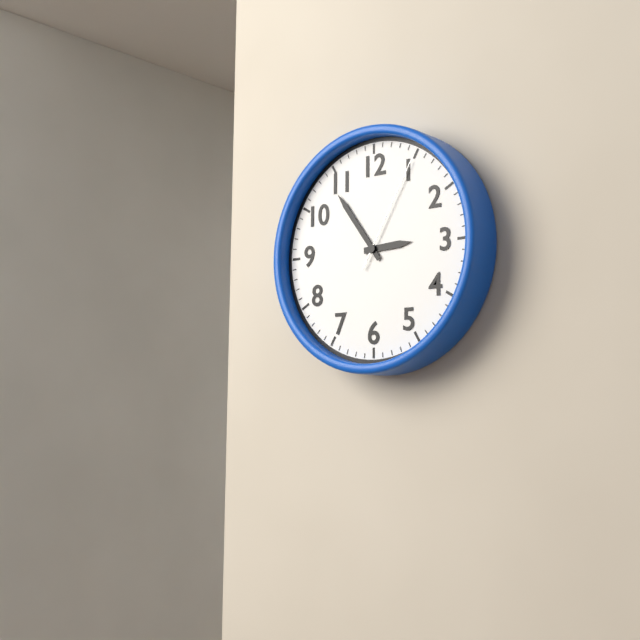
2:54:05
